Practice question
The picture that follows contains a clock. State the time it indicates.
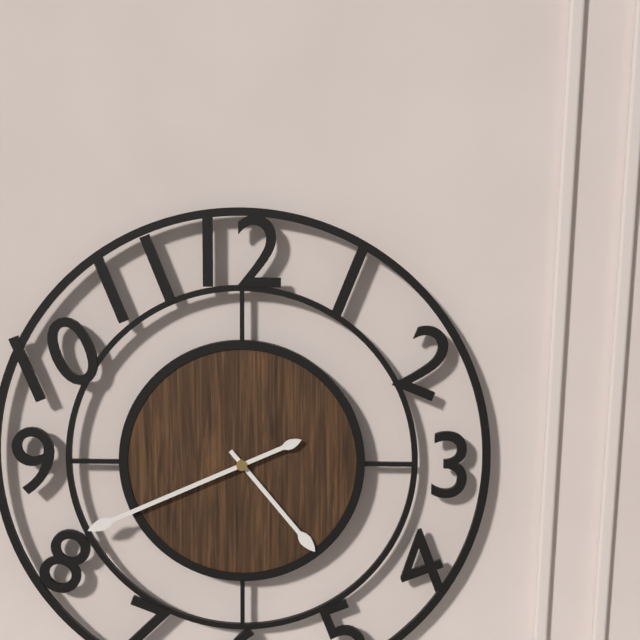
4:41
